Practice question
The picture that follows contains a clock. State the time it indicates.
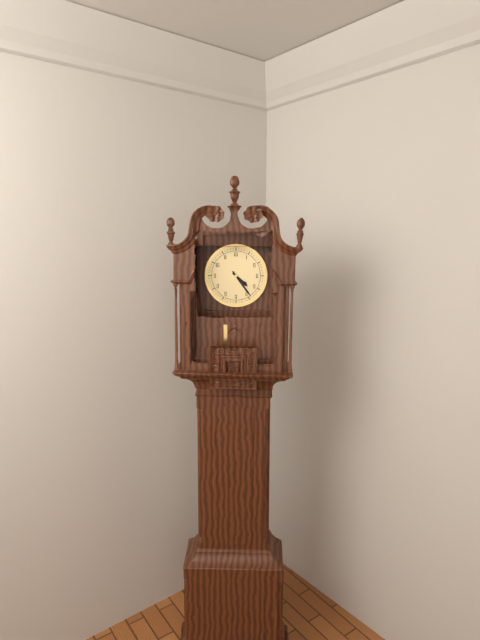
4:24
